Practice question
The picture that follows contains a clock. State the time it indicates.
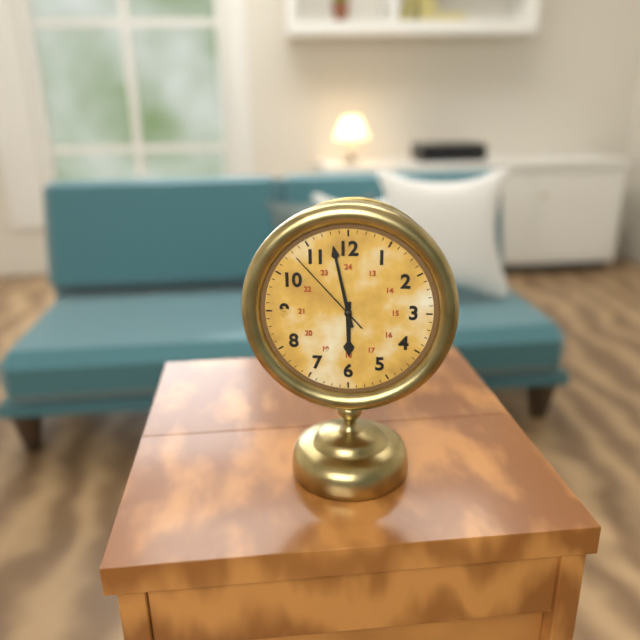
5:58:53
